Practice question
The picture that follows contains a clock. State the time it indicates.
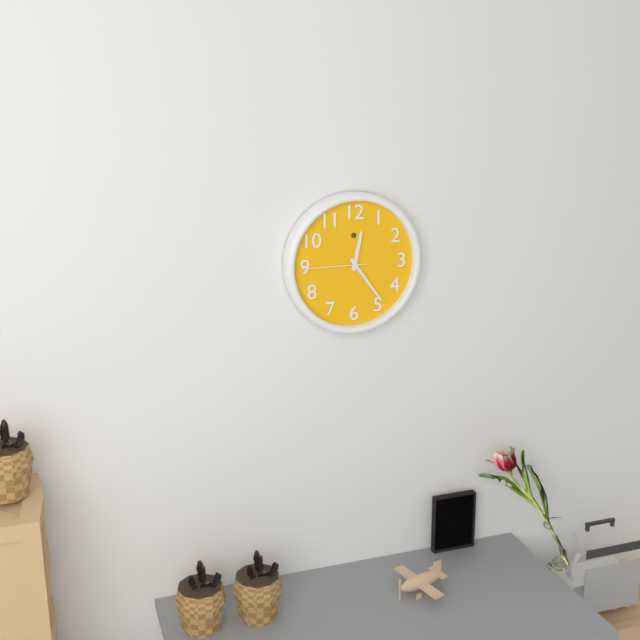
12:24:45
